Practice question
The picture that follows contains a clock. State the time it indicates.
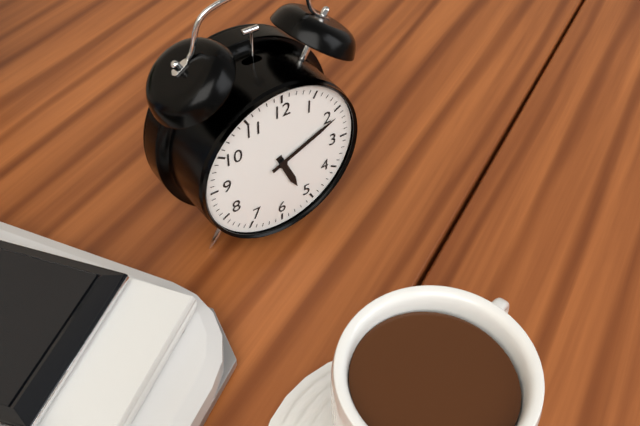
5:11
